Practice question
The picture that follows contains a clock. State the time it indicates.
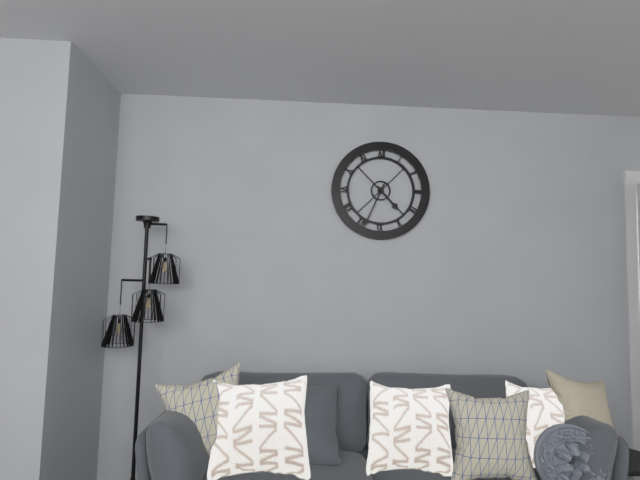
4:34
